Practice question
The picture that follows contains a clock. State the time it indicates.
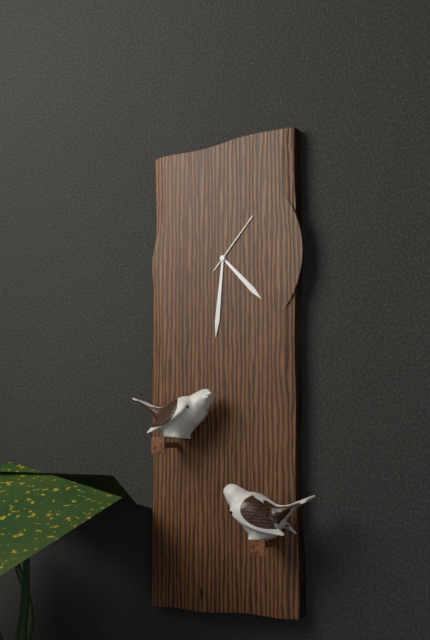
4:31:07
